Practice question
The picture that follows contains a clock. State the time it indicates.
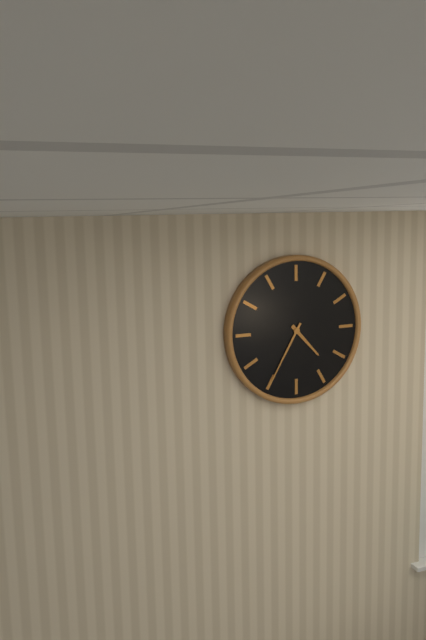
4:35
